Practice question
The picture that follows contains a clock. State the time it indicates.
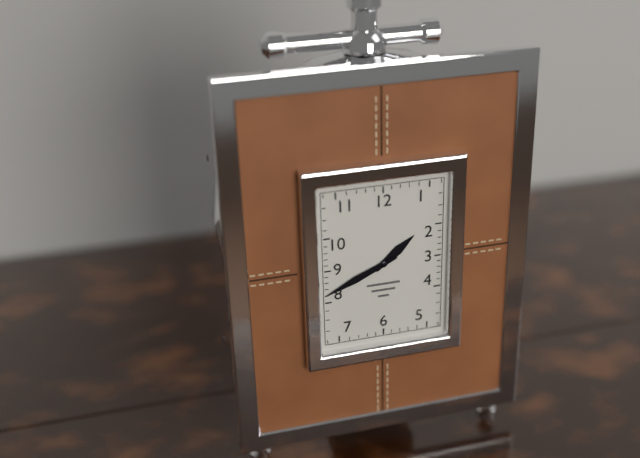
1:41
